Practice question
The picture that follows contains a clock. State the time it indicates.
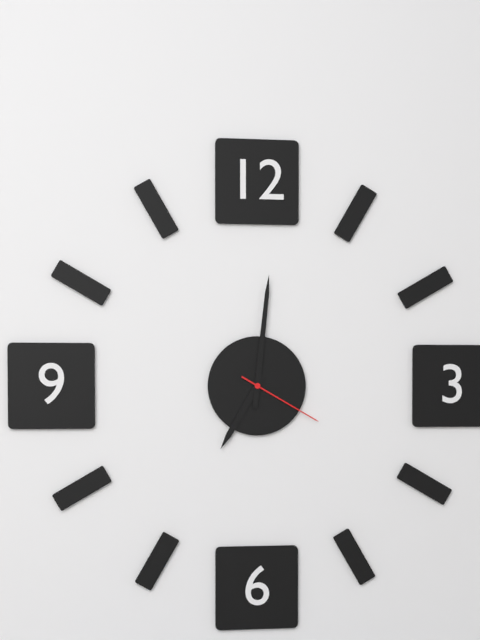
7:01:20
